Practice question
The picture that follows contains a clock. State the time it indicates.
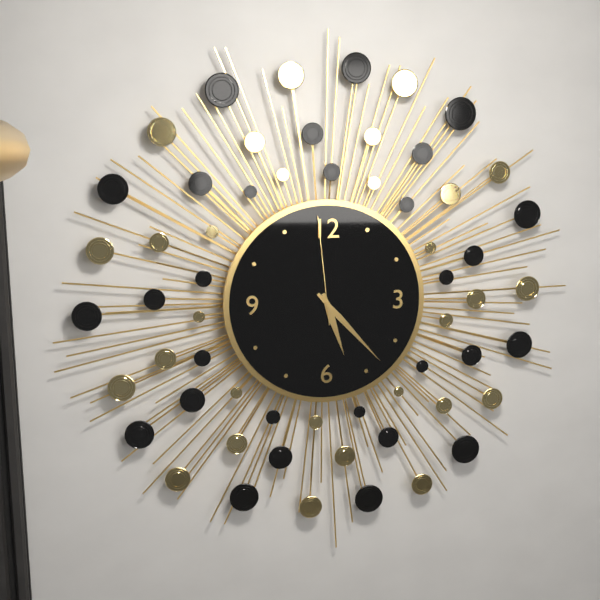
5:23:59
